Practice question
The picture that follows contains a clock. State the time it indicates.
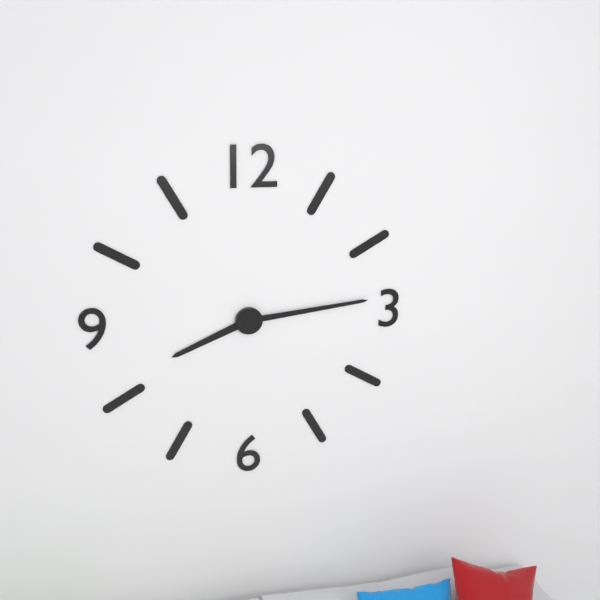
8:14
